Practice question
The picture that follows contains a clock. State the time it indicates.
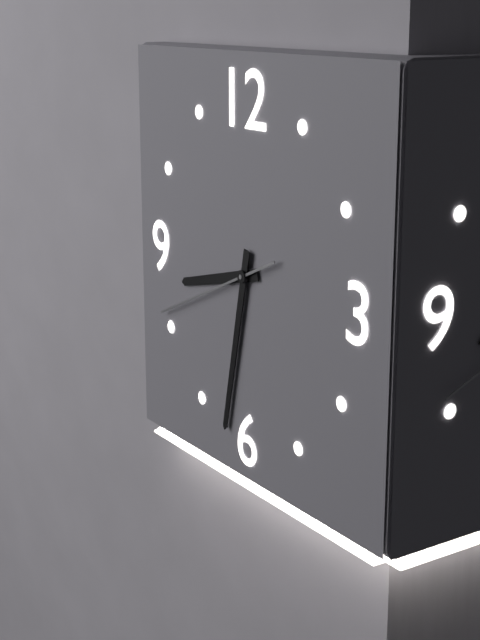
8:32:41
